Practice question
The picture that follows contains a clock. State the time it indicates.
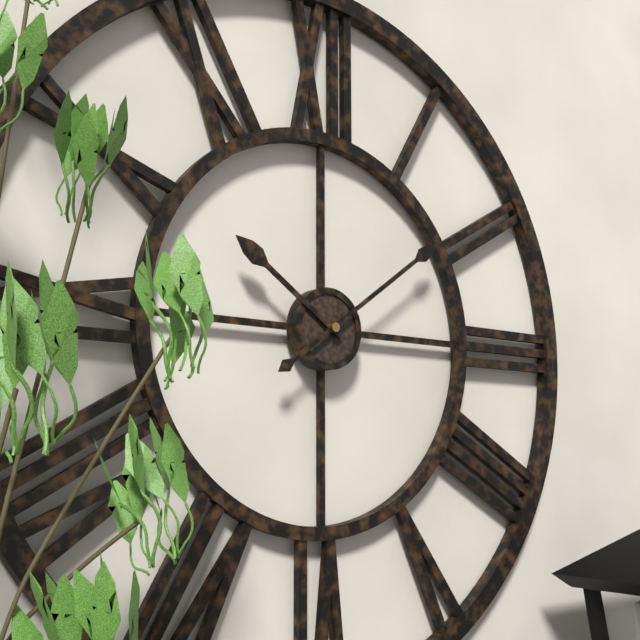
10:09
